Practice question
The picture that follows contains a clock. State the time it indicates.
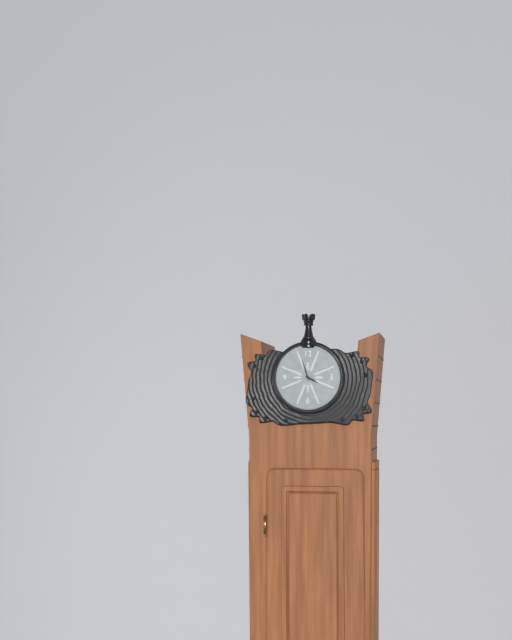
3:57
